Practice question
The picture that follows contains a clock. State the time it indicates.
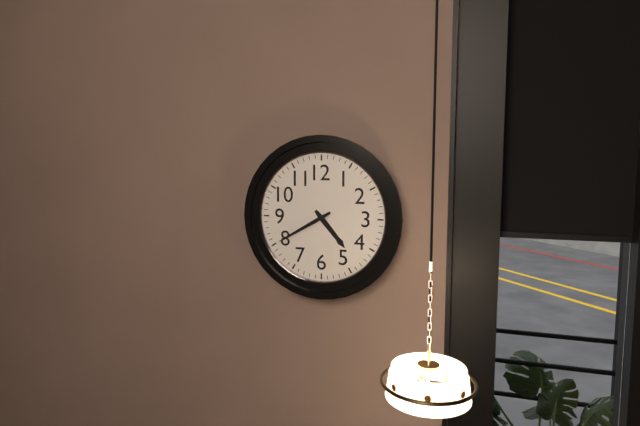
4:40
